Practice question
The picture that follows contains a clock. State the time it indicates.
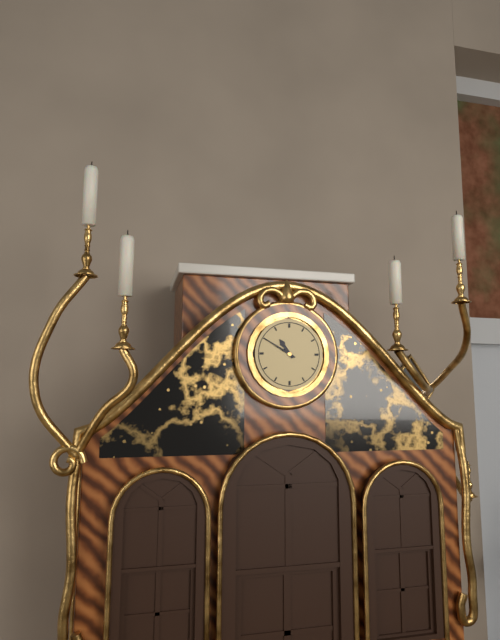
10:50
